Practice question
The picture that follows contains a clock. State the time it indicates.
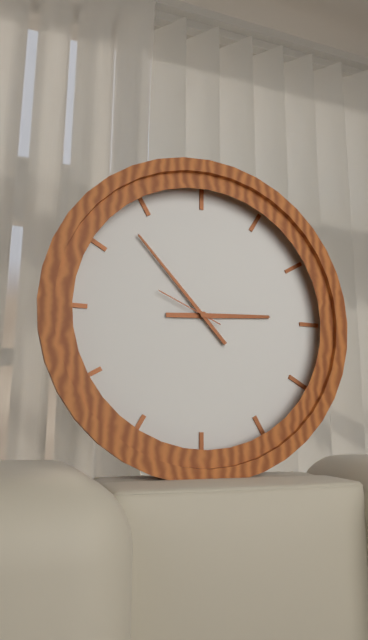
2:53:49
